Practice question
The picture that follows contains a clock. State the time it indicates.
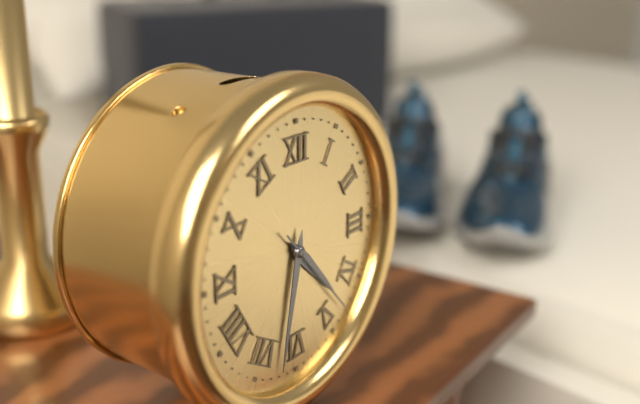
4:32:23
